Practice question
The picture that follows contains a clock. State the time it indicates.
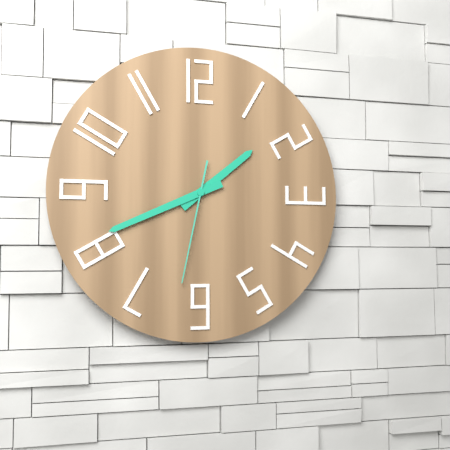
1:41:32
